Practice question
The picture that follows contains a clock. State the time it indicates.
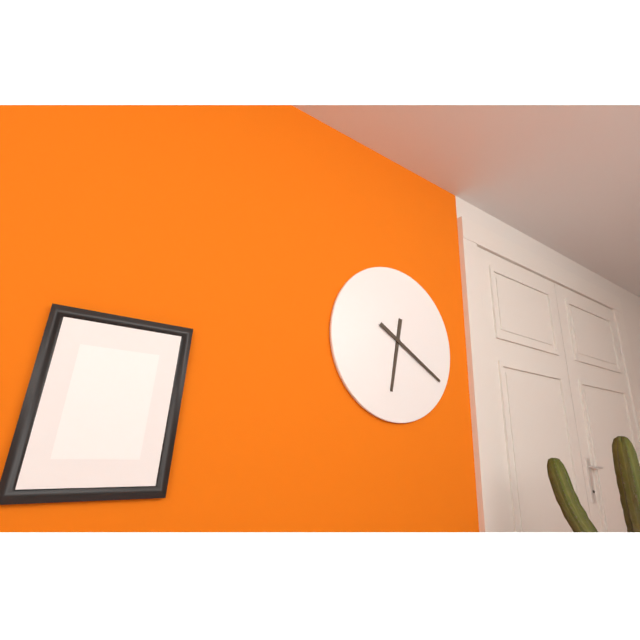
6:20
